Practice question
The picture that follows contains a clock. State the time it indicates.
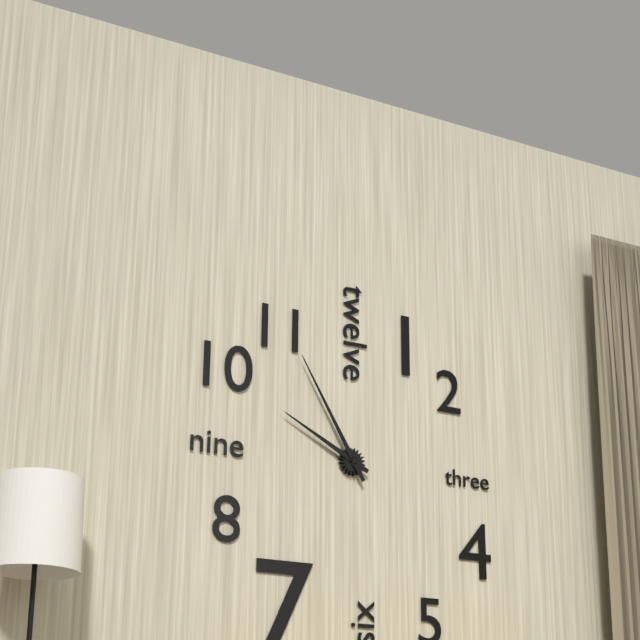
9:55
